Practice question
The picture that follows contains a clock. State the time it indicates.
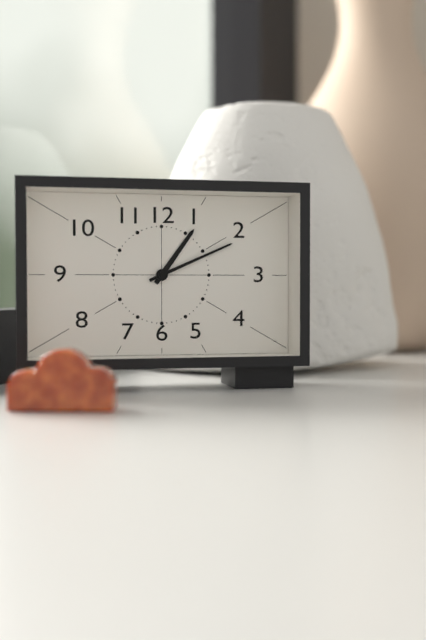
1:11
